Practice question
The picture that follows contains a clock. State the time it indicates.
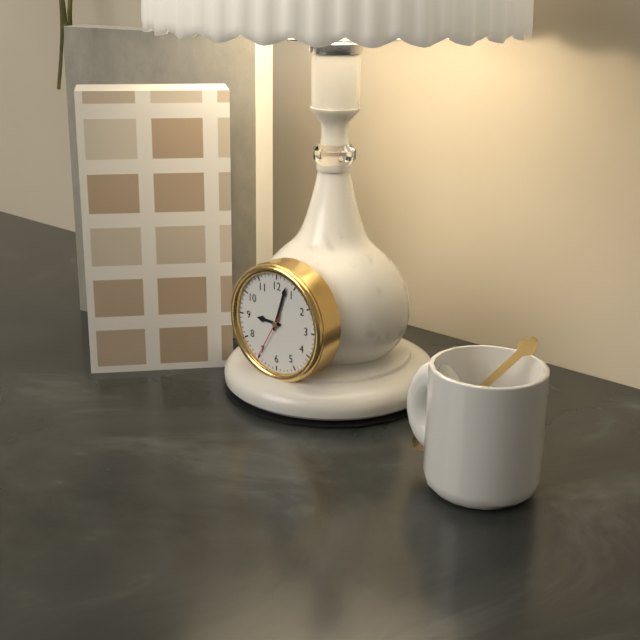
9:03
